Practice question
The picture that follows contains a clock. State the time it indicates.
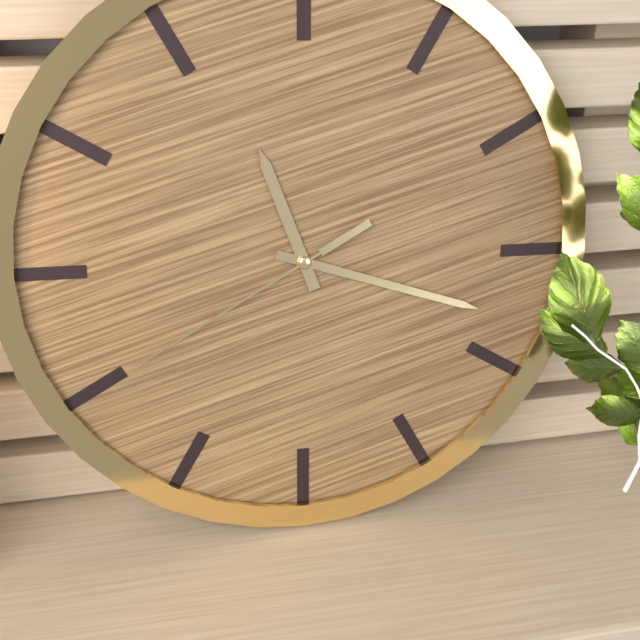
11:18:40
